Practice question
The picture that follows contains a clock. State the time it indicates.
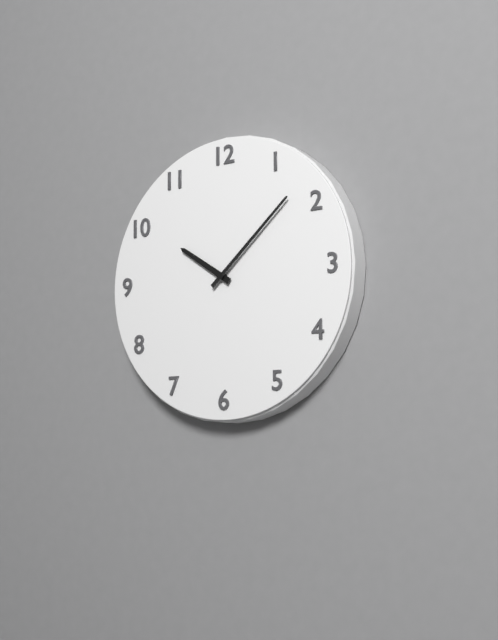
10:08
